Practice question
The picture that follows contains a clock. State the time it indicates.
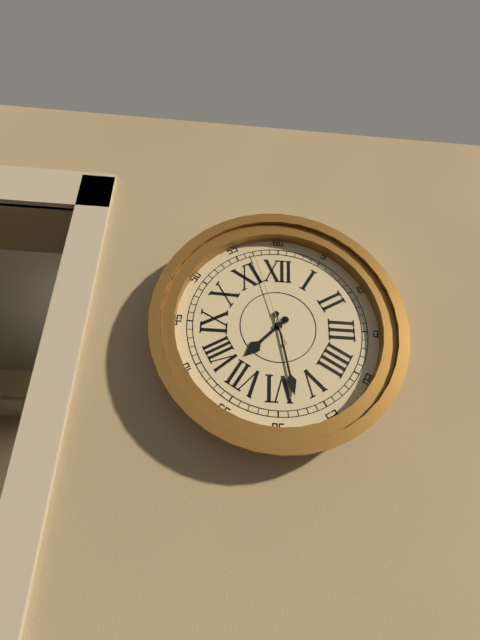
7:28:57
